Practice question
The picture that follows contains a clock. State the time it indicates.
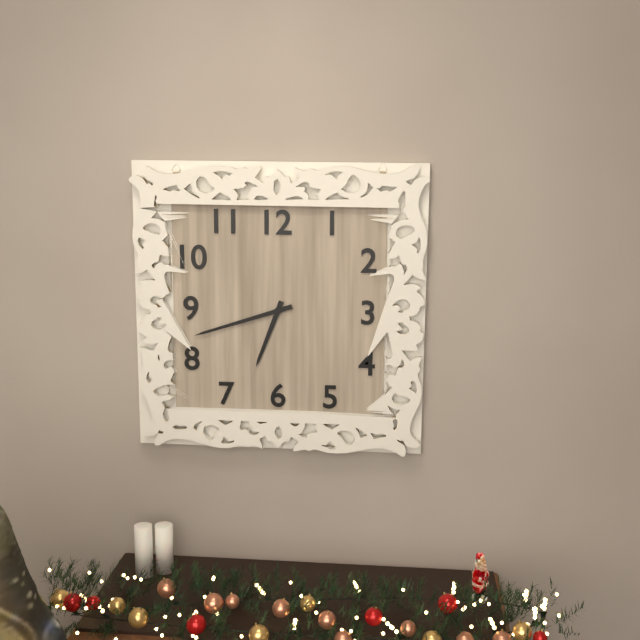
6:42
